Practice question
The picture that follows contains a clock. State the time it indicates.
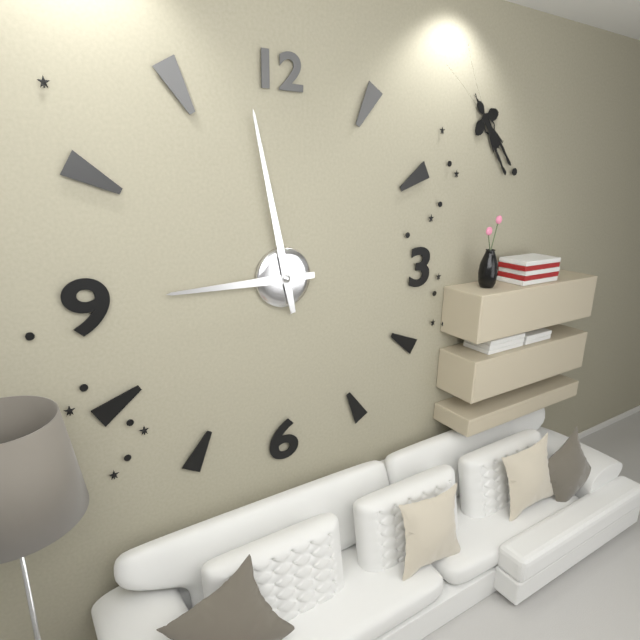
8:58
